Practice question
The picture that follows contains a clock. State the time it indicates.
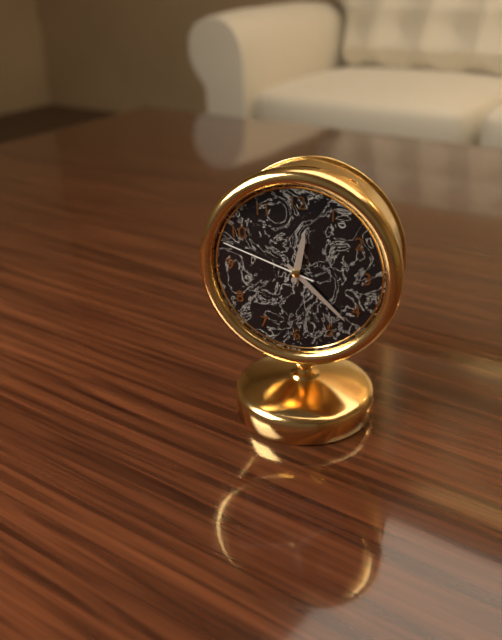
12:22:48
